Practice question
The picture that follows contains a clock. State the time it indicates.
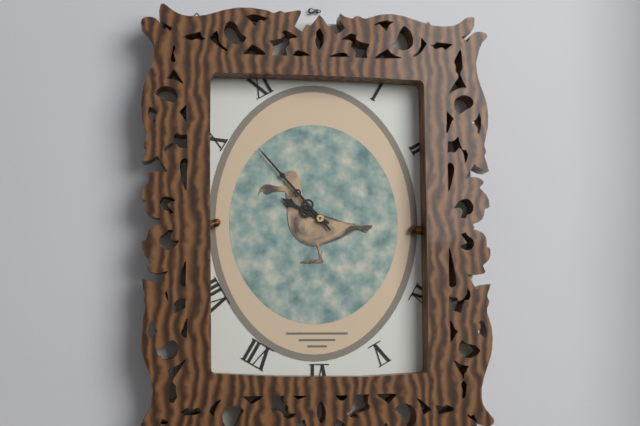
9:53
